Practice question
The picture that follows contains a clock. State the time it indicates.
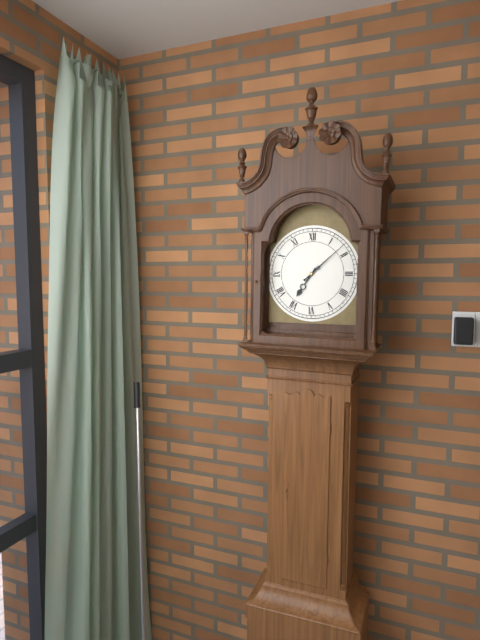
7:08
